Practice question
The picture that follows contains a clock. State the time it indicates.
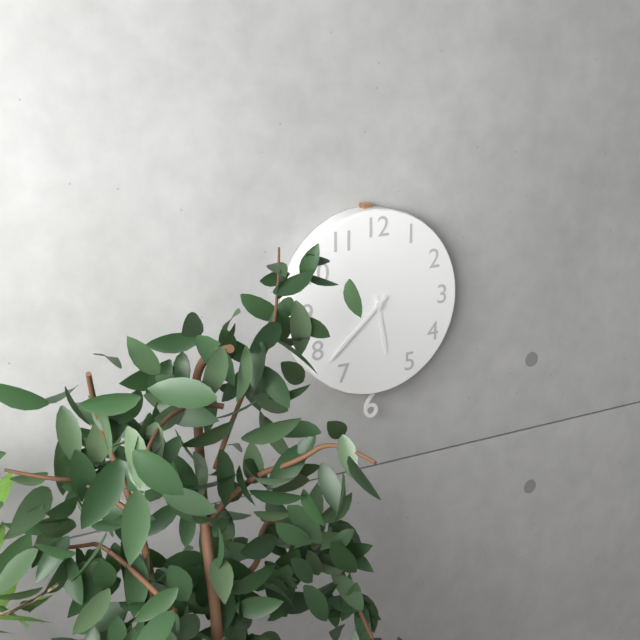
5:38
